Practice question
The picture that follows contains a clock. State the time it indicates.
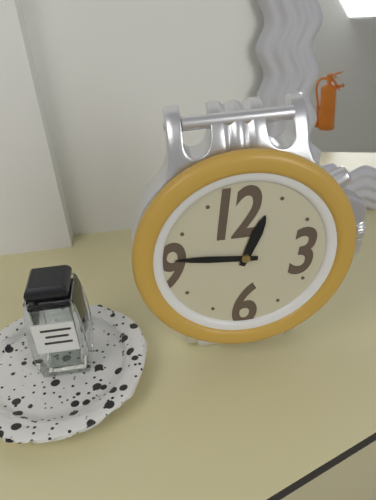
12:46
